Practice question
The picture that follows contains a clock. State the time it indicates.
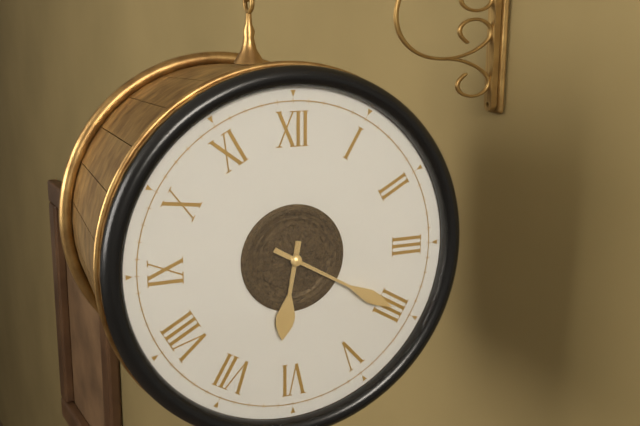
6:20
